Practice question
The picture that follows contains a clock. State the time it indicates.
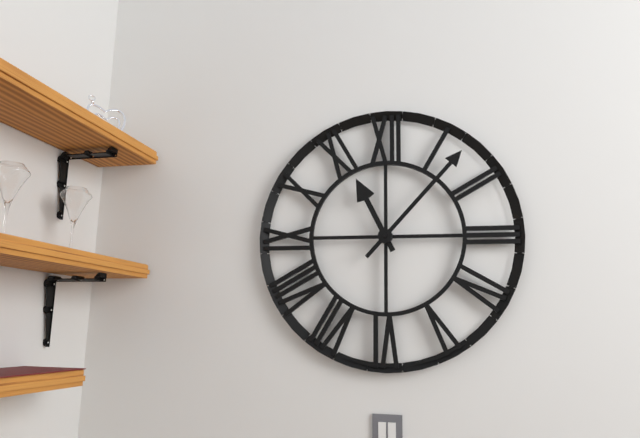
11:07
